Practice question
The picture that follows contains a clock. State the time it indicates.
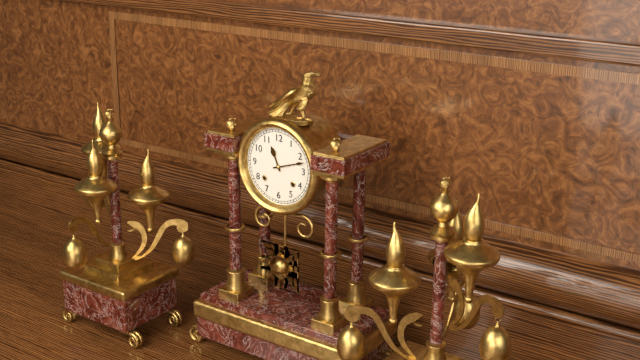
11:12
